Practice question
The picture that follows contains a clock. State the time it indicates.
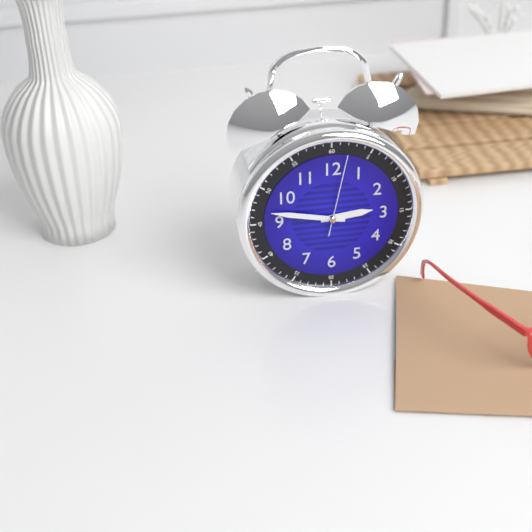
2:47:02
